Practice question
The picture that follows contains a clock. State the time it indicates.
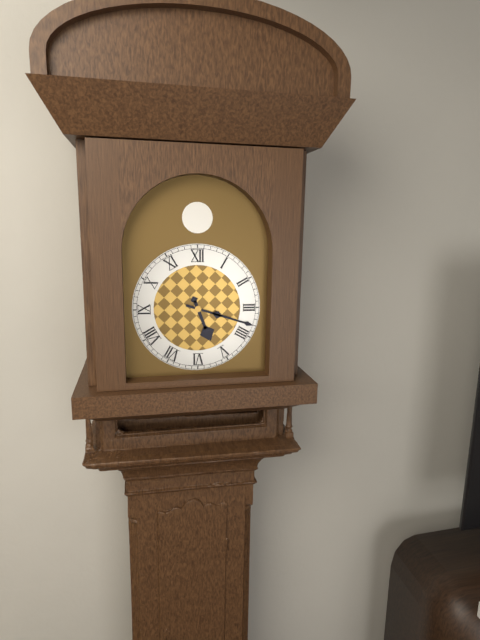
5:18
